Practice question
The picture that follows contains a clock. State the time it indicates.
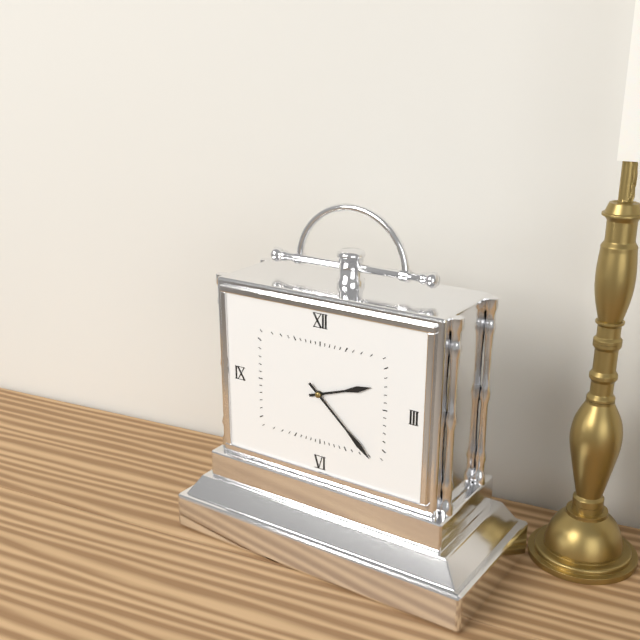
2:22
